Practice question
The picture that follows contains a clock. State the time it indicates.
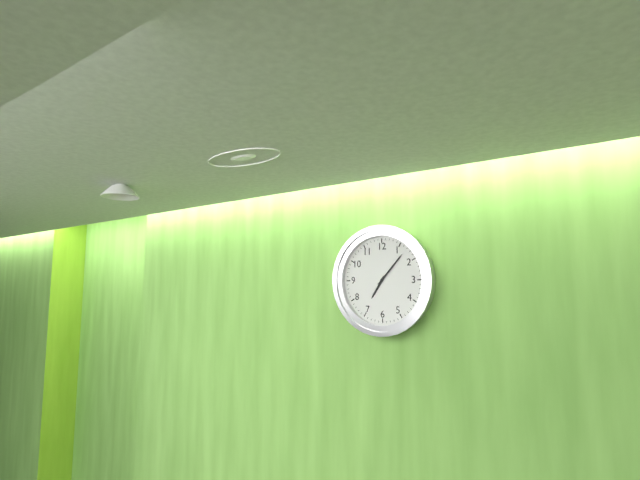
7:07
